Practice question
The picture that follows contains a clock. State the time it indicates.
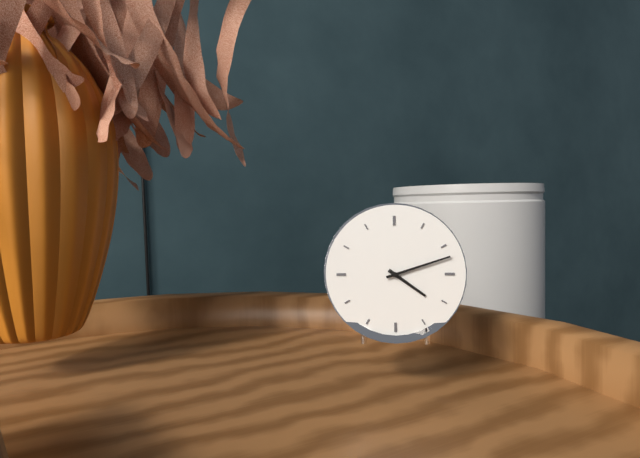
4:12
